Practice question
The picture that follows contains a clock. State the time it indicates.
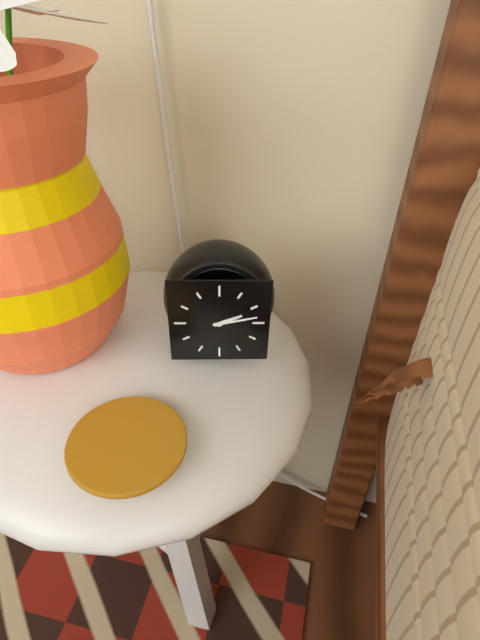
2:13
